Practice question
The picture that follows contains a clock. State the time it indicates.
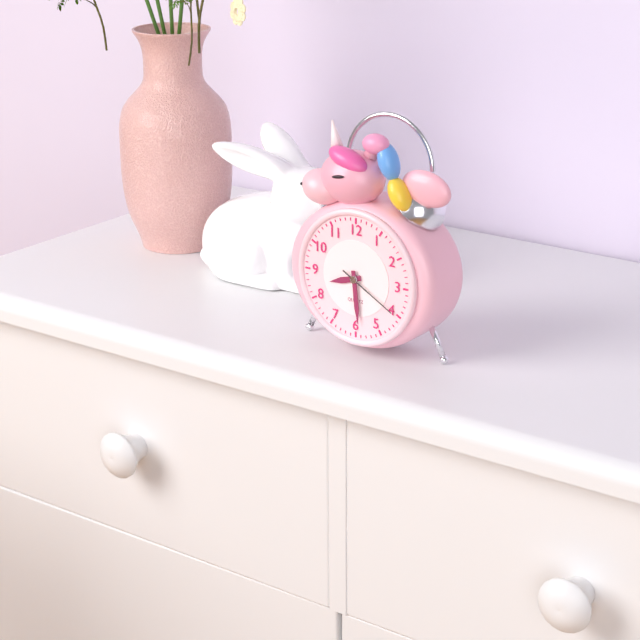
8:29:20
